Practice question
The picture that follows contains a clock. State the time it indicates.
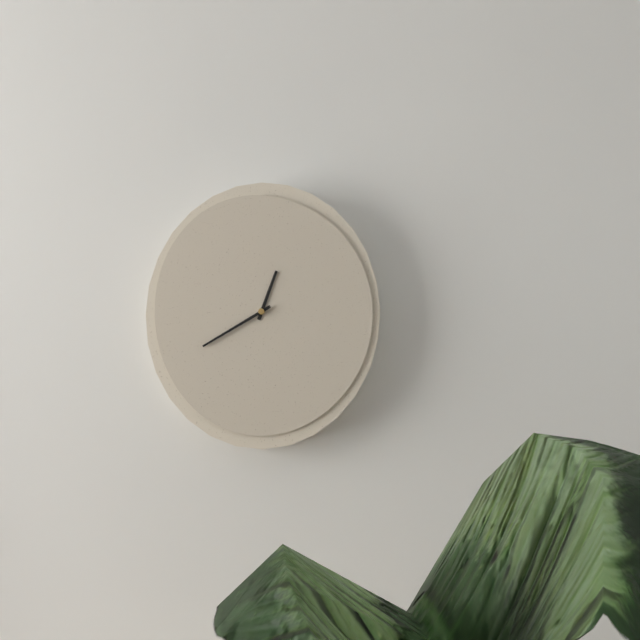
12:40
